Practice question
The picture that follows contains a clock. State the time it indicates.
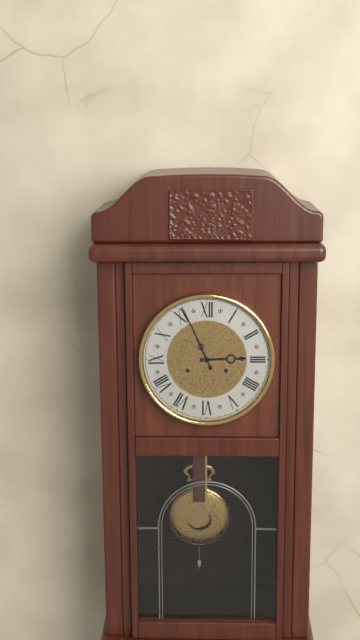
2:56
